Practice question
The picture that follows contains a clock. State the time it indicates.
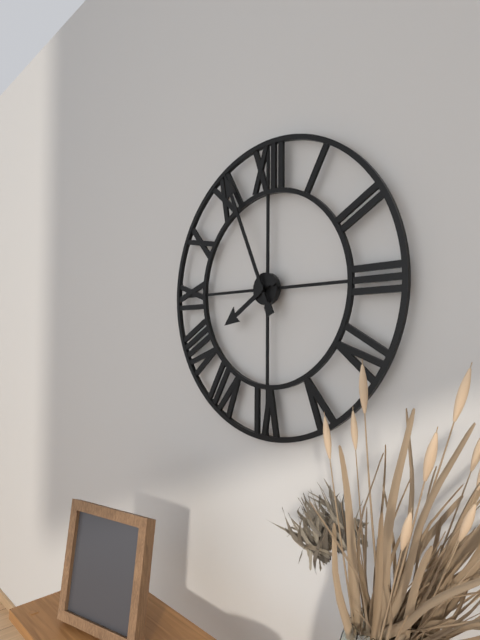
7:56
